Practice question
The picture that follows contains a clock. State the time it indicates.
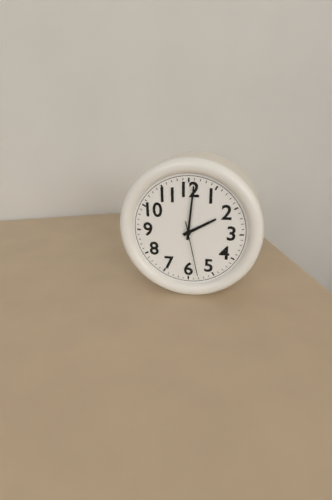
2:01:28
